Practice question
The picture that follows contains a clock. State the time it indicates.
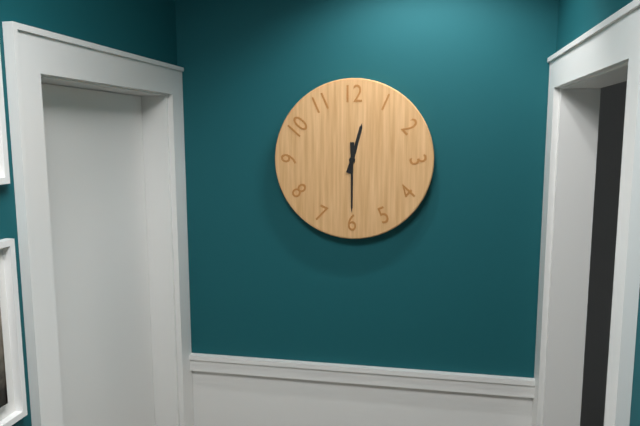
12:30
